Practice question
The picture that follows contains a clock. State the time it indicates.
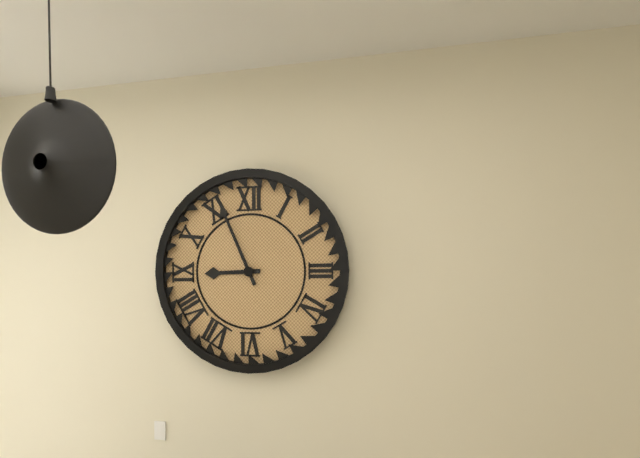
8:56
